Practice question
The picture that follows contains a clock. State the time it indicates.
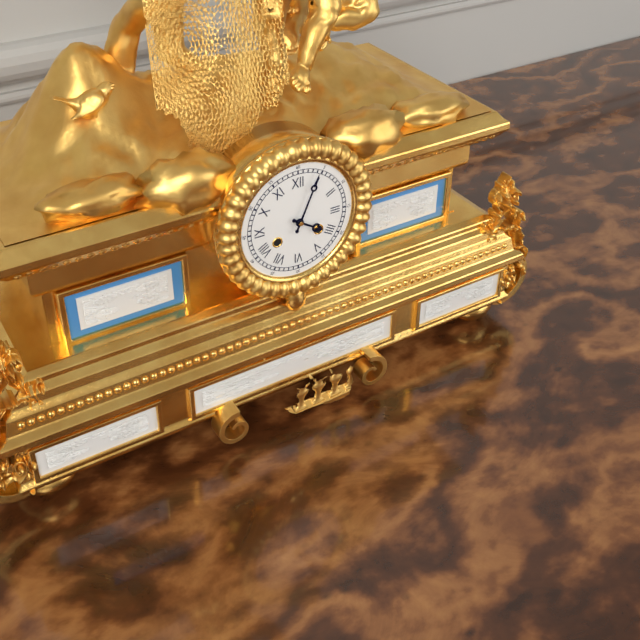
4:04
